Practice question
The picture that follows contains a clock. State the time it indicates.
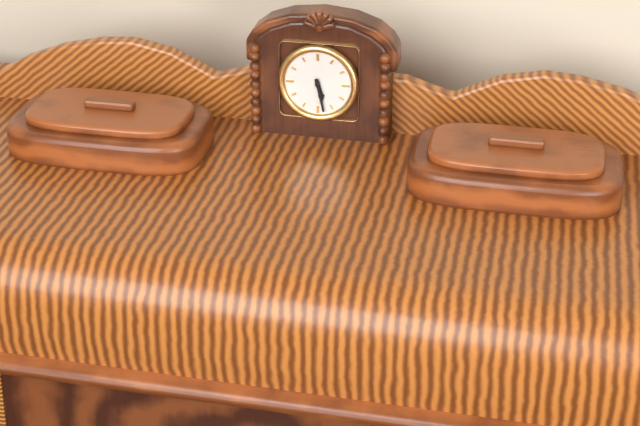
5:28
